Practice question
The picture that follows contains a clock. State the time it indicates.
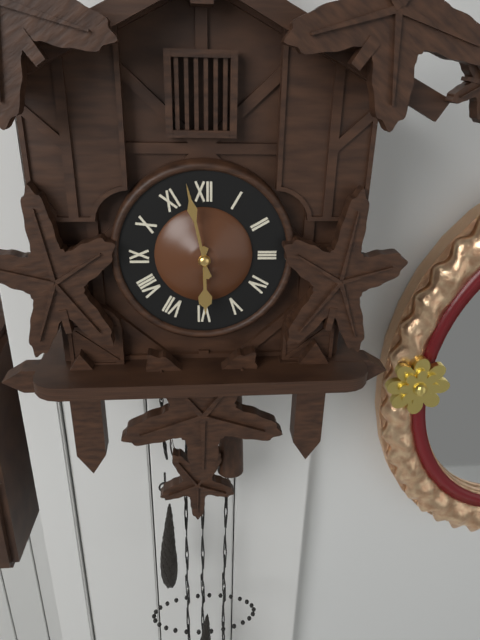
5:58
